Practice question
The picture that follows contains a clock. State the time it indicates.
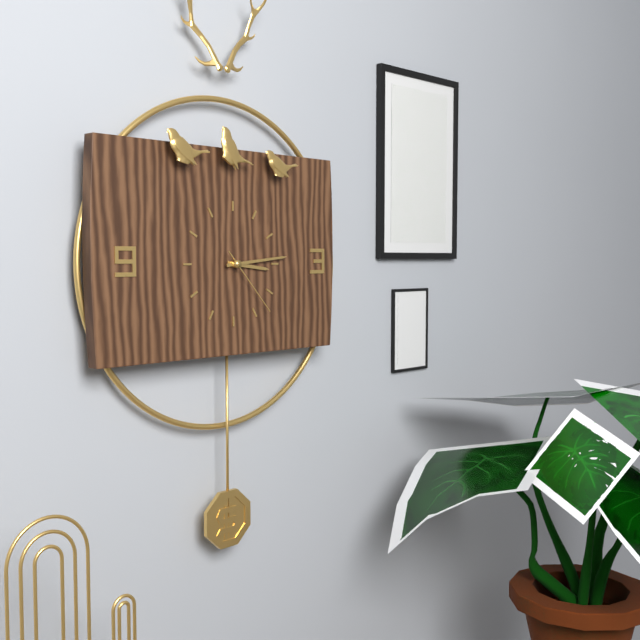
3:14:23
